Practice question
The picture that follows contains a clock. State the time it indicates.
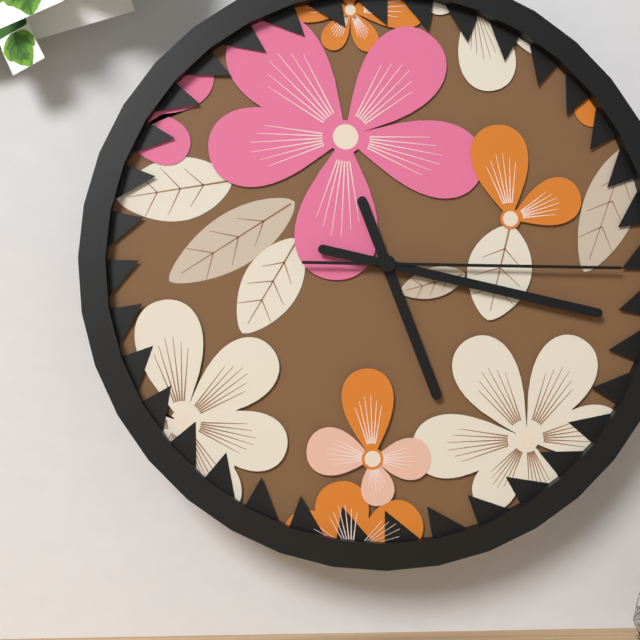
5:17:15
